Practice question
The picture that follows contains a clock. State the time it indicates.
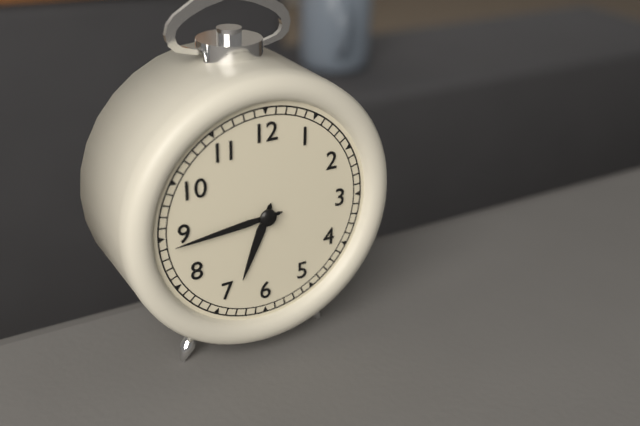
6:44
